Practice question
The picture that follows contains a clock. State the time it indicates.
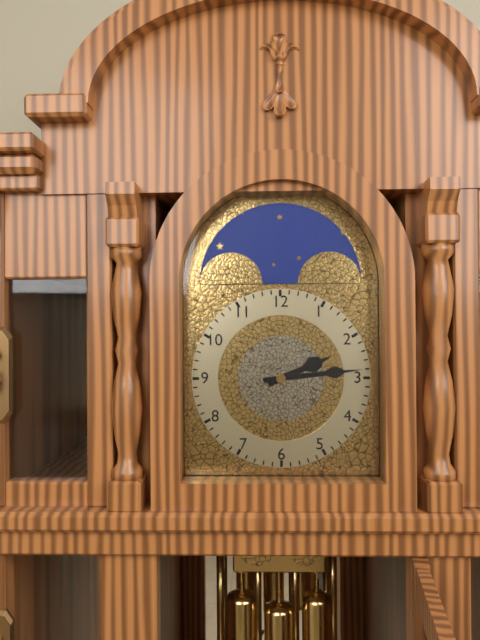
2:14
